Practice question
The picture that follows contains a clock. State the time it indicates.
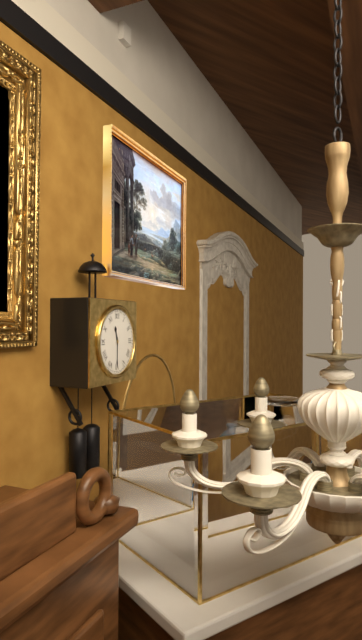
11:30
